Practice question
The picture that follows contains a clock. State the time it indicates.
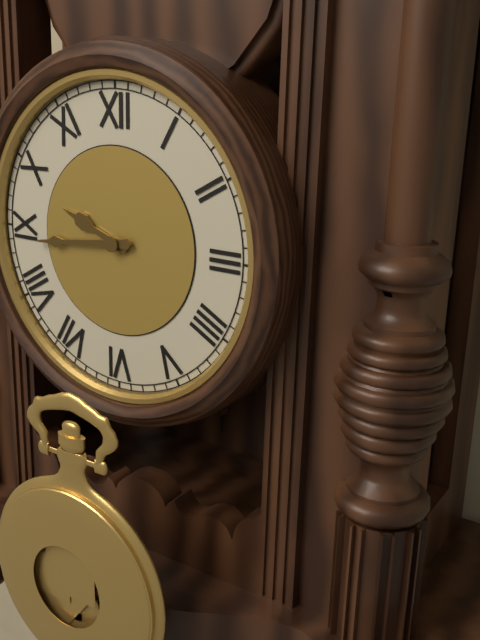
9:44
